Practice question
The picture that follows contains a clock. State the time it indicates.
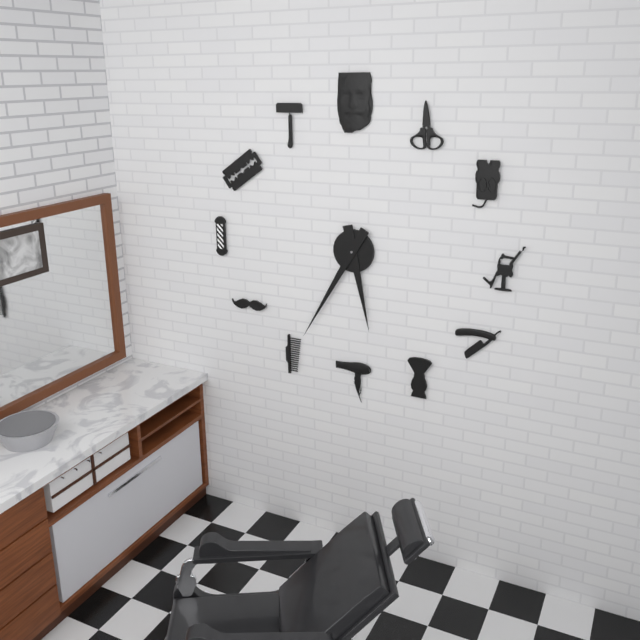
5:35
